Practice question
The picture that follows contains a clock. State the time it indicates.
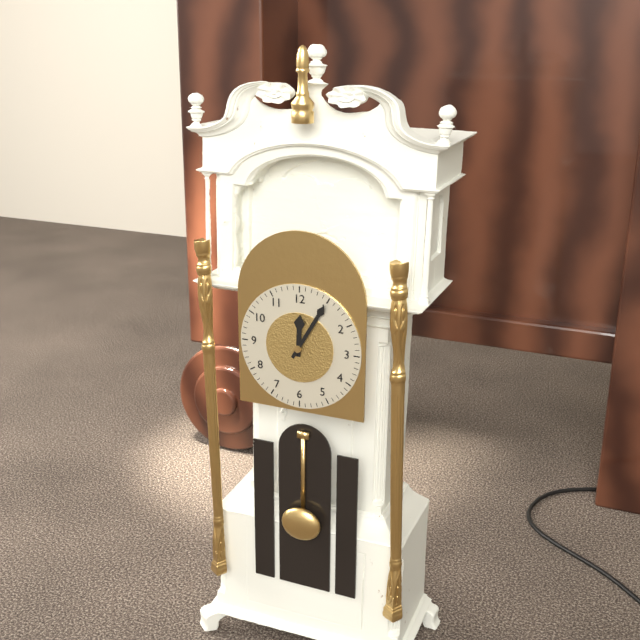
12:05
